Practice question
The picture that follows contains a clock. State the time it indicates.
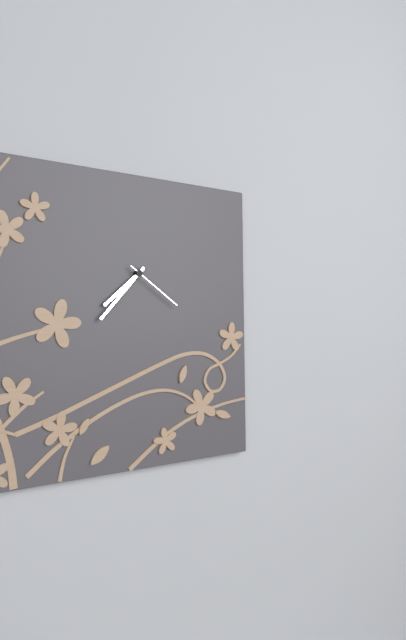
7:37:21
